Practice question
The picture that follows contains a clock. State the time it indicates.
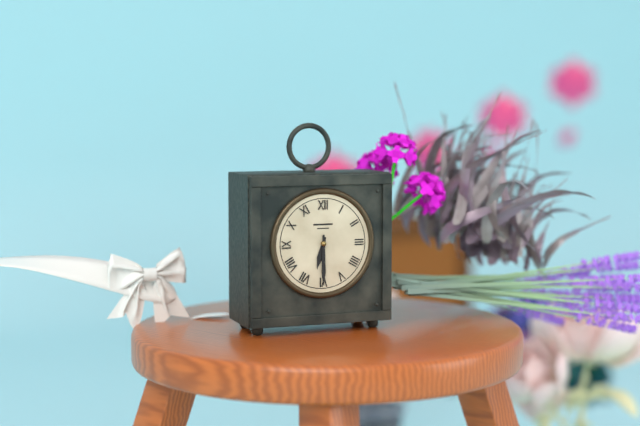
6:30
